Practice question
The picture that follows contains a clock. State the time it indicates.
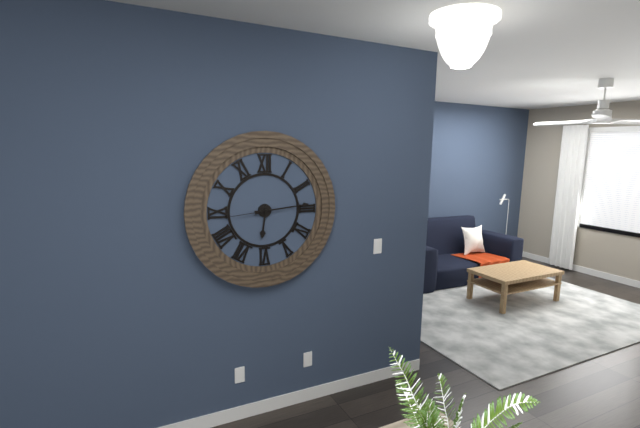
6:14:44
